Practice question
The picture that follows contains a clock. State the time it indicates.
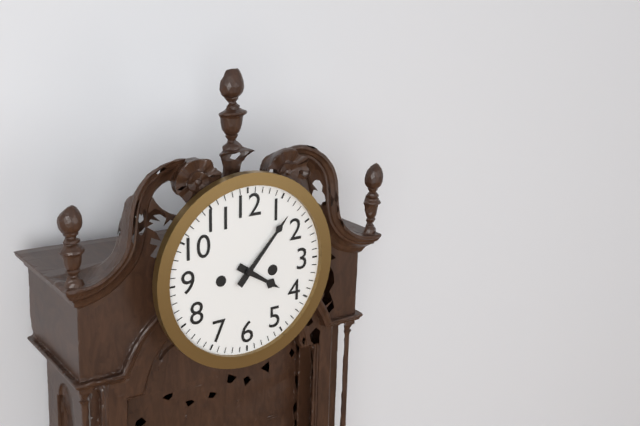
4:07
